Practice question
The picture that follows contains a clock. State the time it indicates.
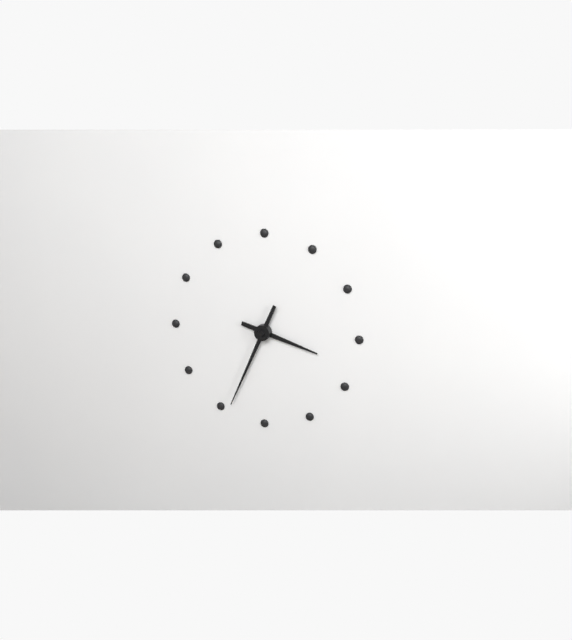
3:34
